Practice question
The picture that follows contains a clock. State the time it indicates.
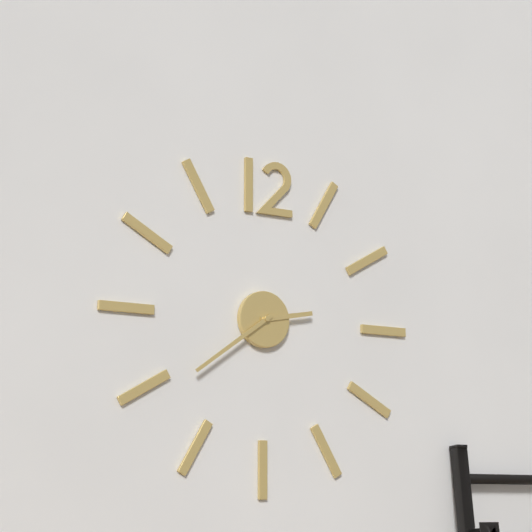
2:39
